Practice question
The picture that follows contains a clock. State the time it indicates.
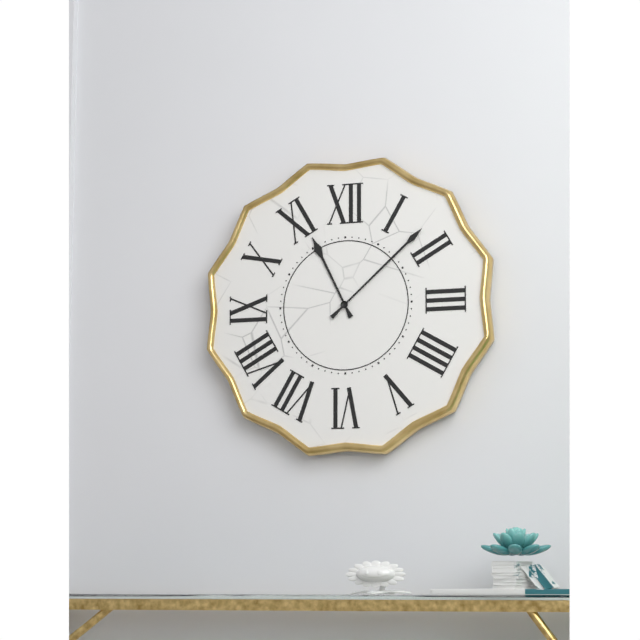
11:08
